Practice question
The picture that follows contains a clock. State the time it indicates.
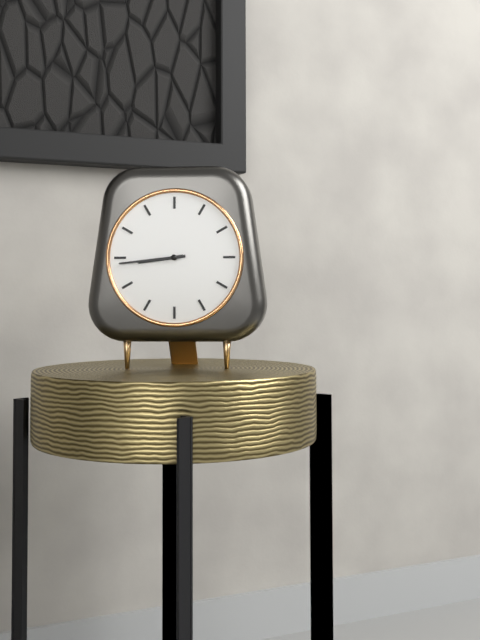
8:44
